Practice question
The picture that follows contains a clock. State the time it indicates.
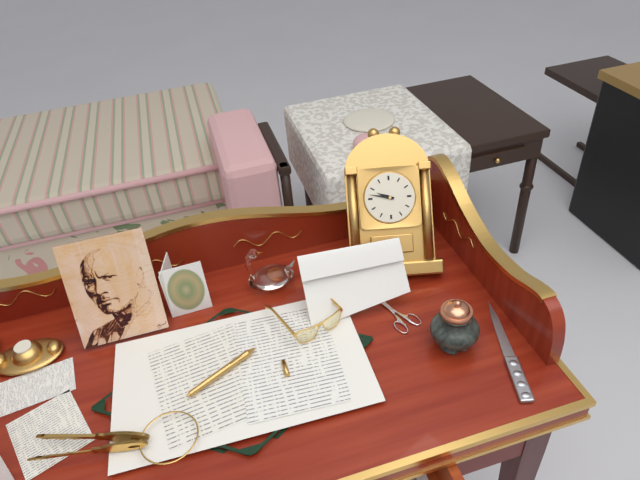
9:47
